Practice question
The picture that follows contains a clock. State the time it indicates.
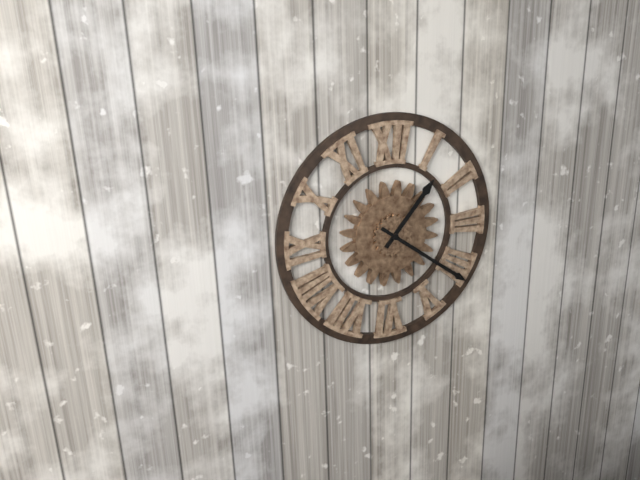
1:21
